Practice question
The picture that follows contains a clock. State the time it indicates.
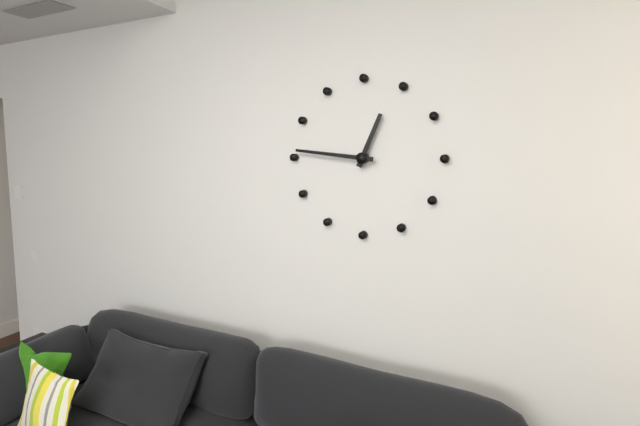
12:46
